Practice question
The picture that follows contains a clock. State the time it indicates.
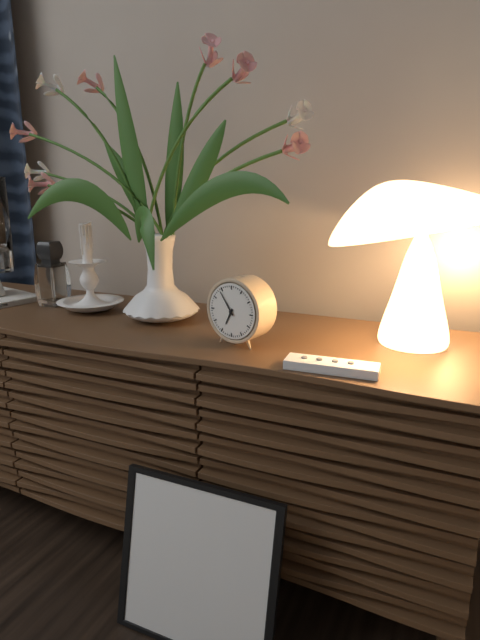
6:54
